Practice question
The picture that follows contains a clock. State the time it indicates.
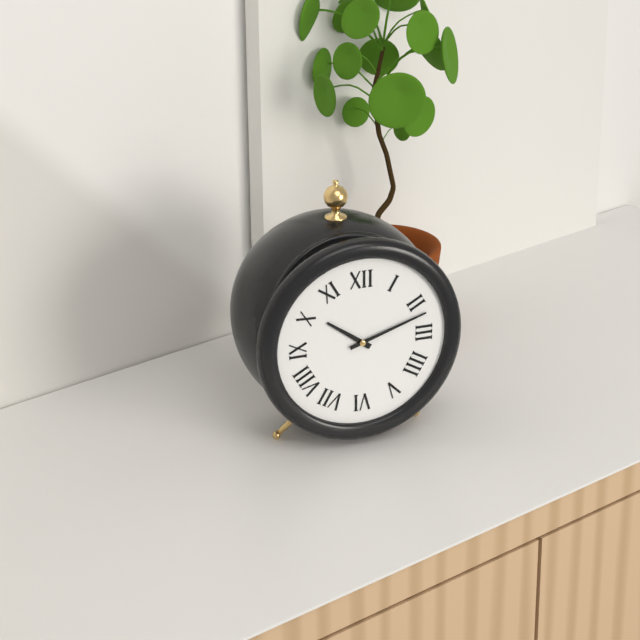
10:12
